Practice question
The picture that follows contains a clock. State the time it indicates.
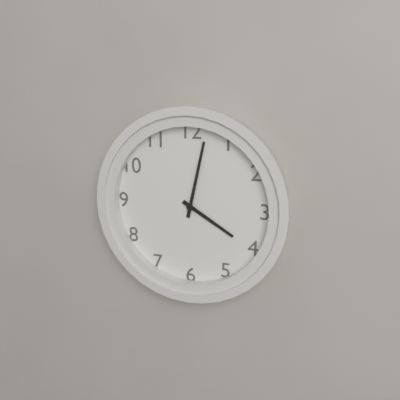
4:02
